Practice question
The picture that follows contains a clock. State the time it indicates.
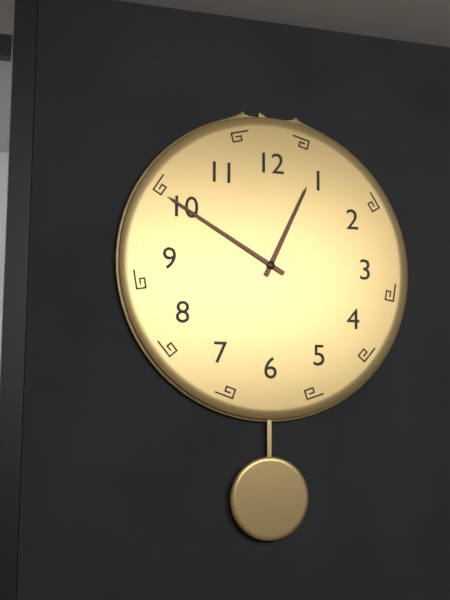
12:50
